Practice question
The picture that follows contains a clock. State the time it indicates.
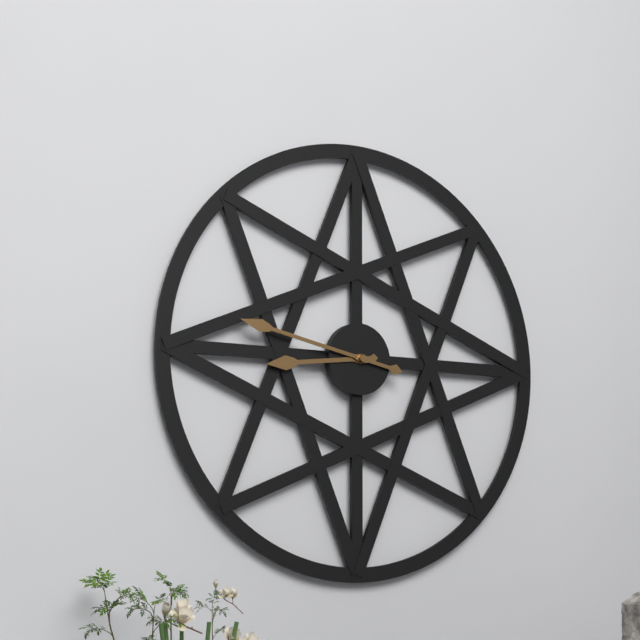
8:47
